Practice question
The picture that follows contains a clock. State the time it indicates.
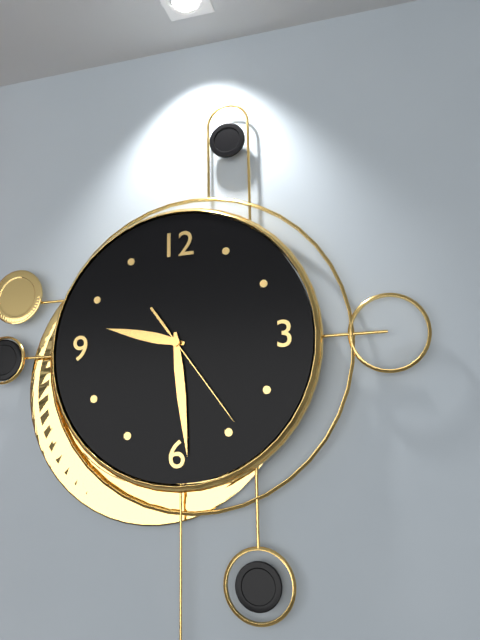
9:29:24
